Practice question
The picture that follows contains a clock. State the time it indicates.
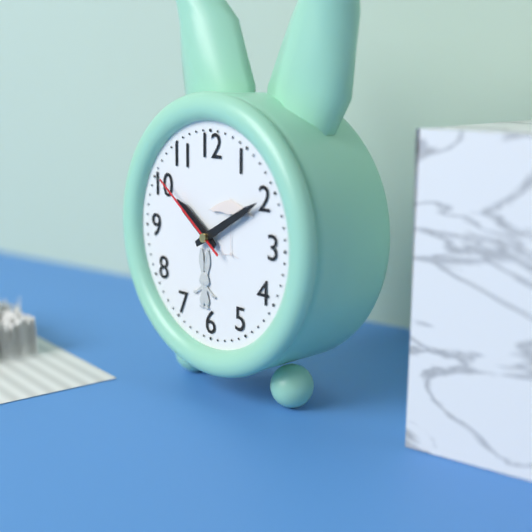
10:10:51
